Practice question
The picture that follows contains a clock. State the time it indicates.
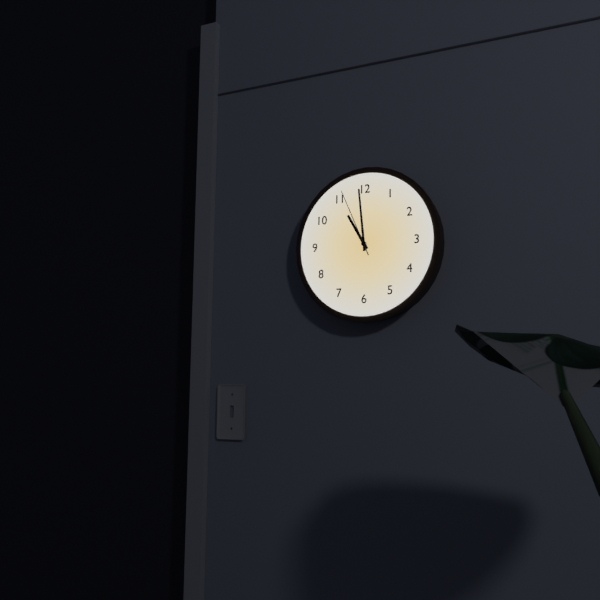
10:59:56
